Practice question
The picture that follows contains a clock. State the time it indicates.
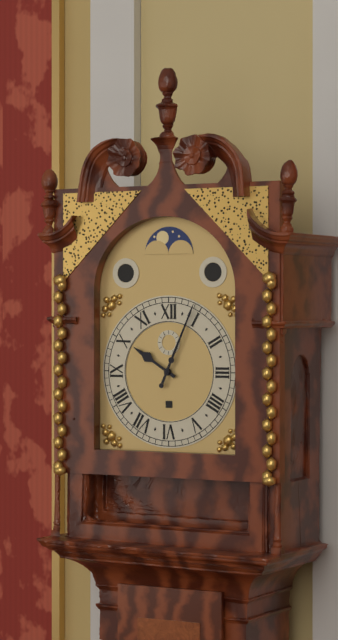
10:04
